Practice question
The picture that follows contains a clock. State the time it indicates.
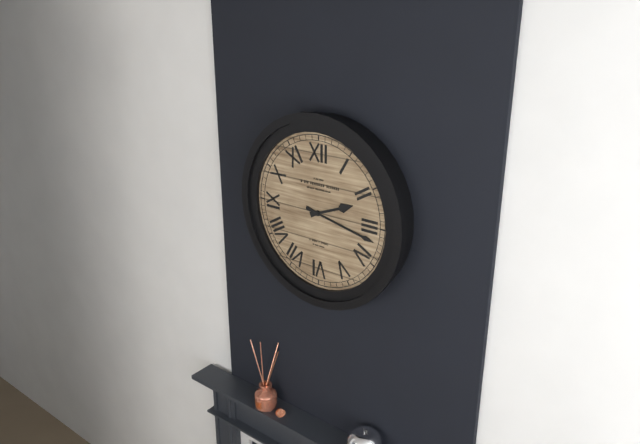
2:17
